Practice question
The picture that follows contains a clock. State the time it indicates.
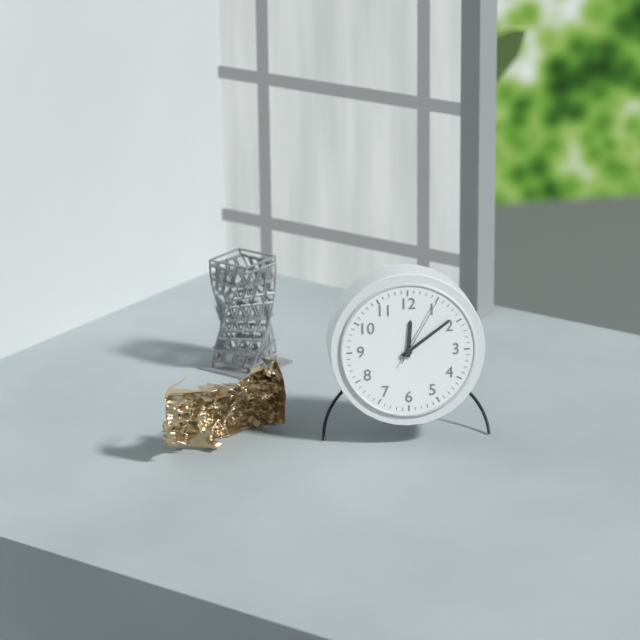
12:09:05
